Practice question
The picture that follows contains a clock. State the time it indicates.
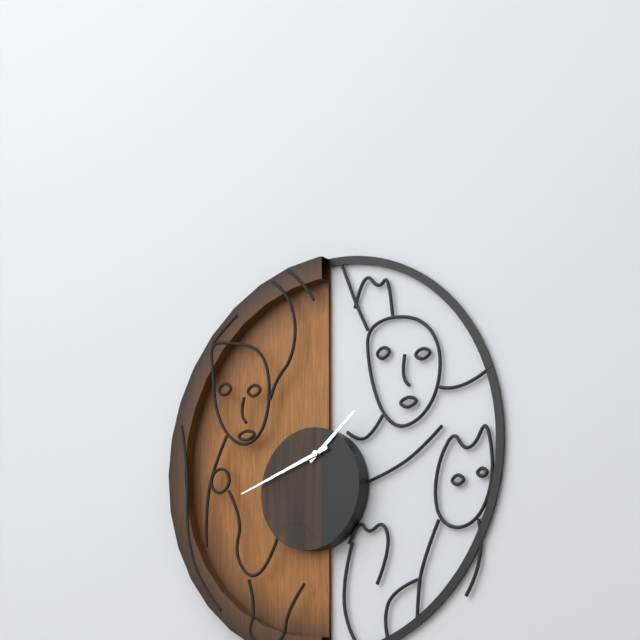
1:42
